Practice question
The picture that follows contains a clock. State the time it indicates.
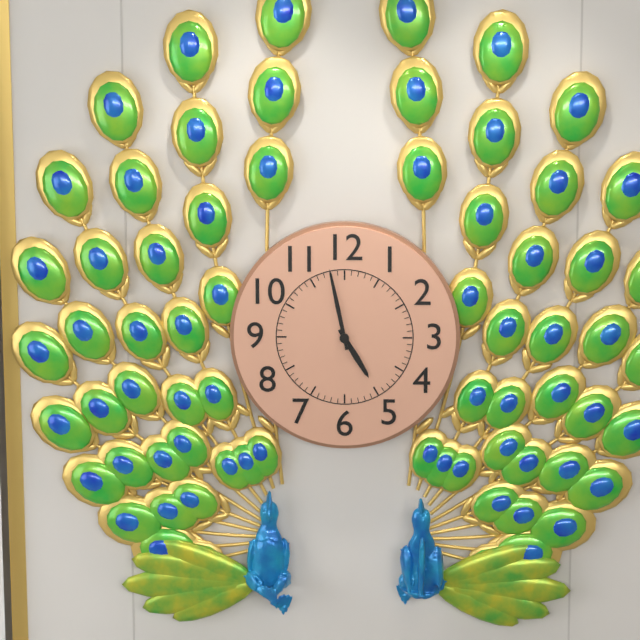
4:58
